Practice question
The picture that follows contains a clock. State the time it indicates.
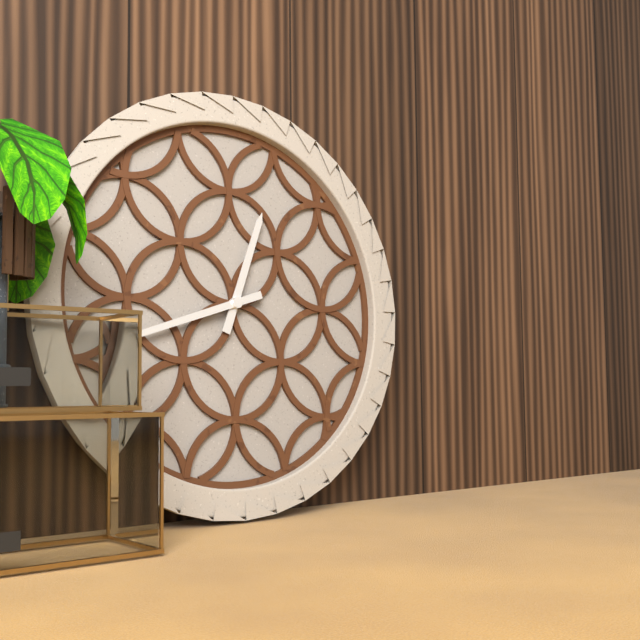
12:42
